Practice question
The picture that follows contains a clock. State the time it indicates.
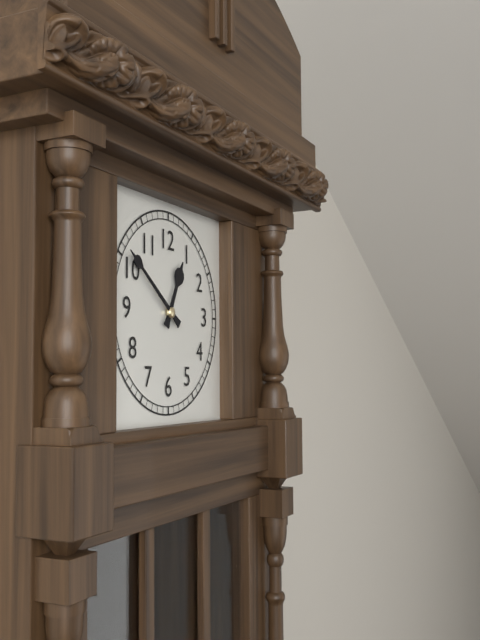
12:51
